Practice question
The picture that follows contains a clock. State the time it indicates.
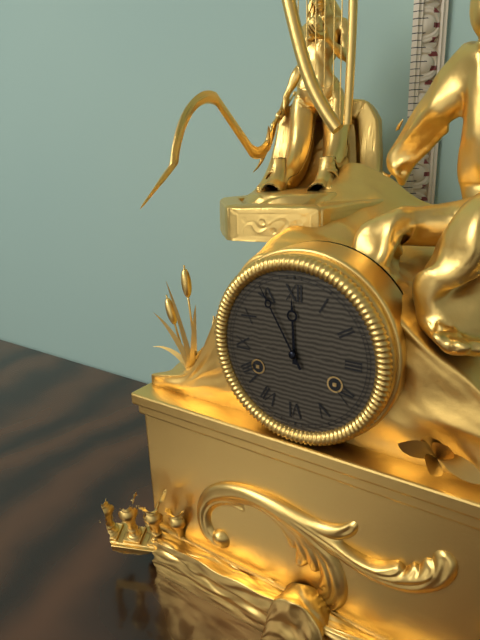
11:55
